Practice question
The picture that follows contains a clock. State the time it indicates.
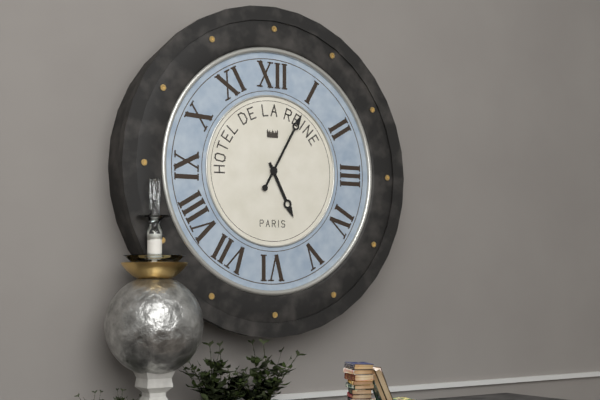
5:05
